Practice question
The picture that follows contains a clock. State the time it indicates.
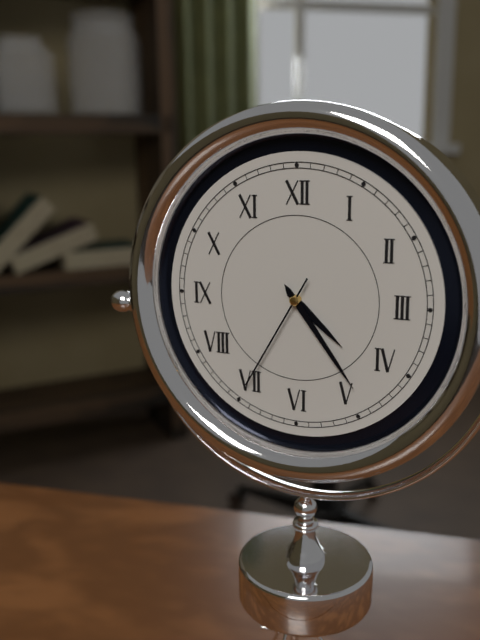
4:24:35
